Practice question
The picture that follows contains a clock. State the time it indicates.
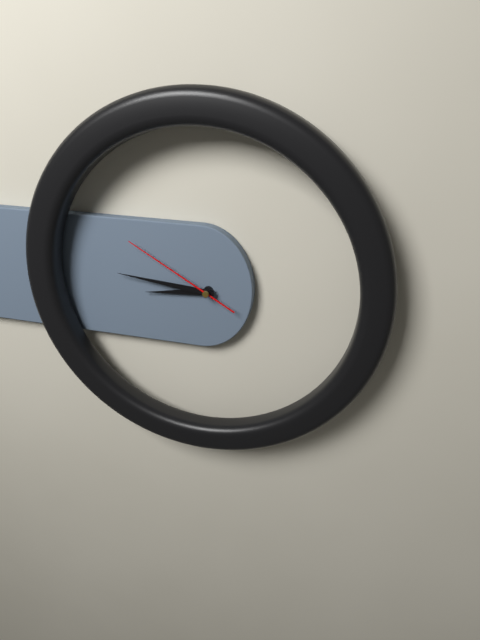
8:46:50
